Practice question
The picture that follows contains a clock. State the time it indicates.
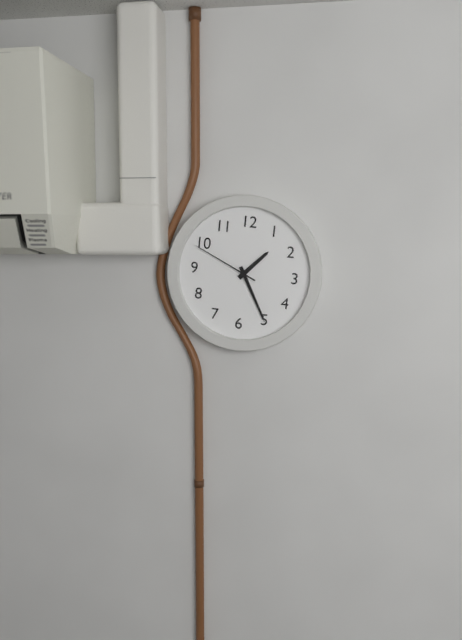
1:25:49
